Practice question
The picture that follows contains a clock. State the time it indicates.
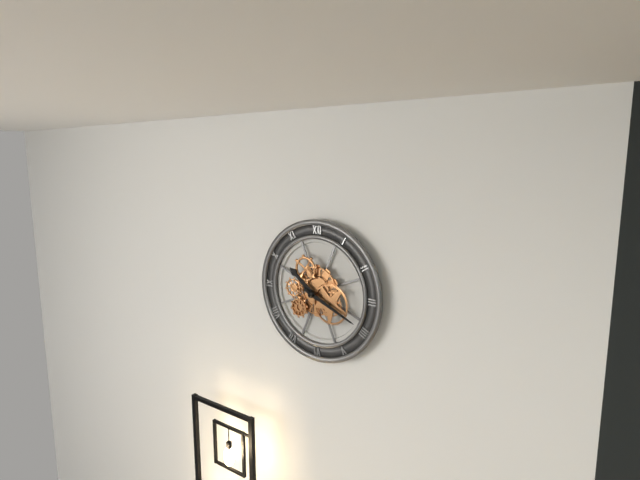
10:19
